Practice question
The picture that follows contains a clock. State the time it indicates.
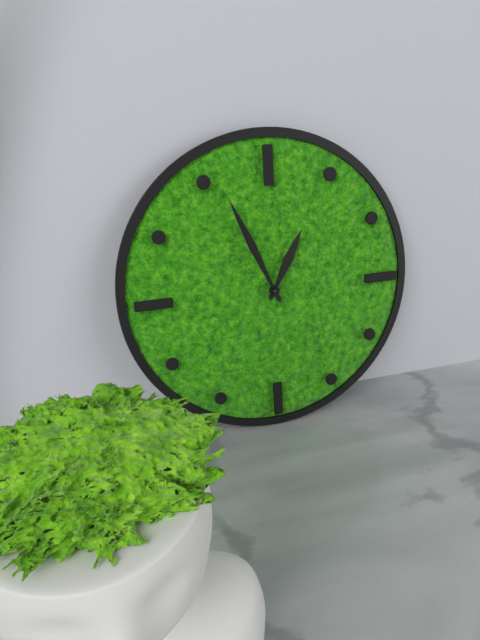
12:56
